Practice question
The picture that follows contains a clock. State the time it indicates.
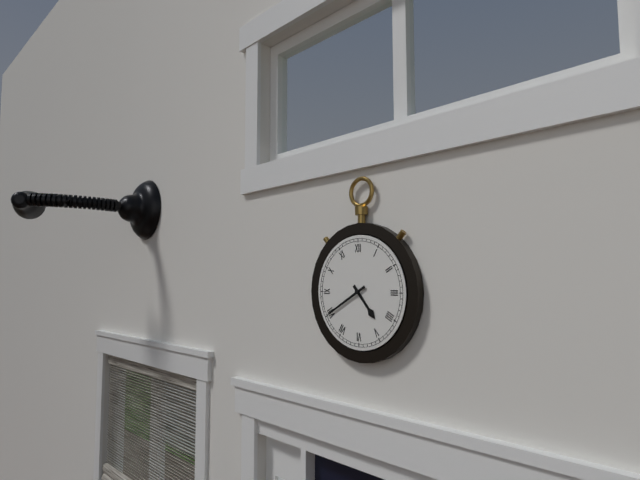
4:40
